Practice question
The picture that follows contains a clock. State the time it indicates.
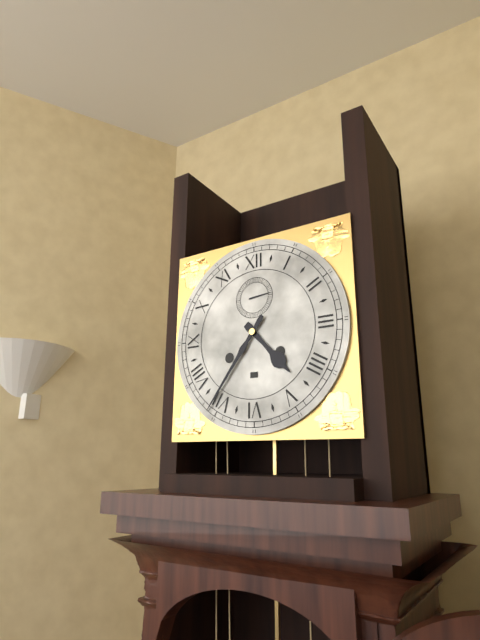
4:36
